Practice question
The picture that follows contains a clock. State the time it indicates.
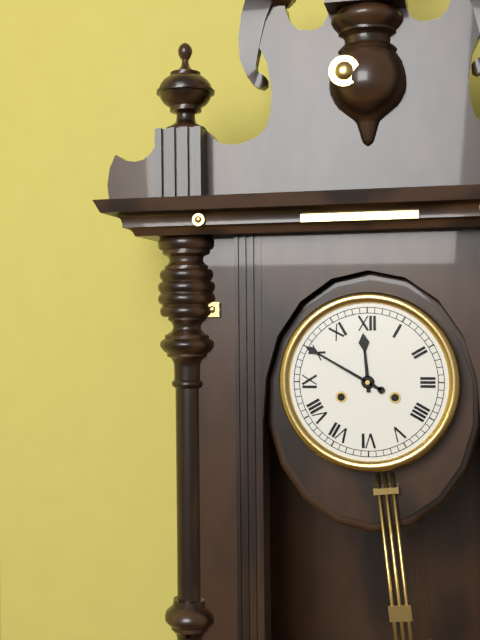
11:50
